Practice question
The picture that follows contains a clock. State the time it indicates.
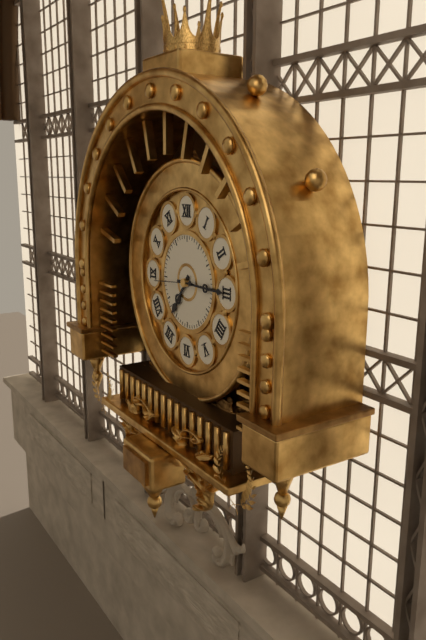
7:15
